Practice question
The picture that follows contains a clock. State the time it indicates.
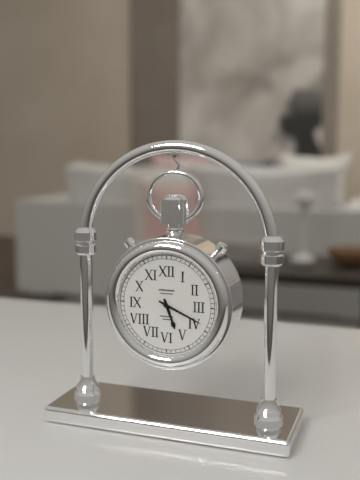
5:19
